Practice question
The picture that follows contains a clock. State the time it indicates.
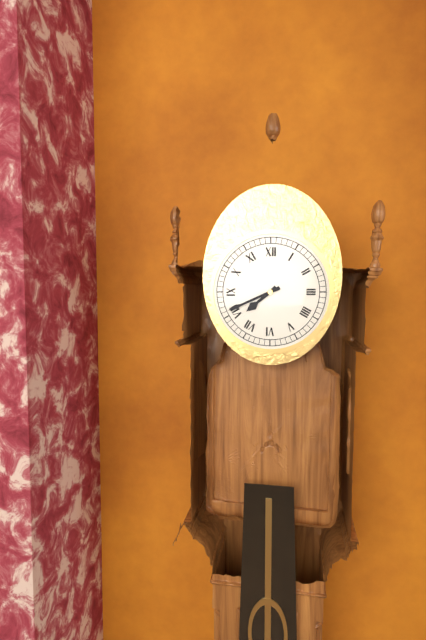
7:41
